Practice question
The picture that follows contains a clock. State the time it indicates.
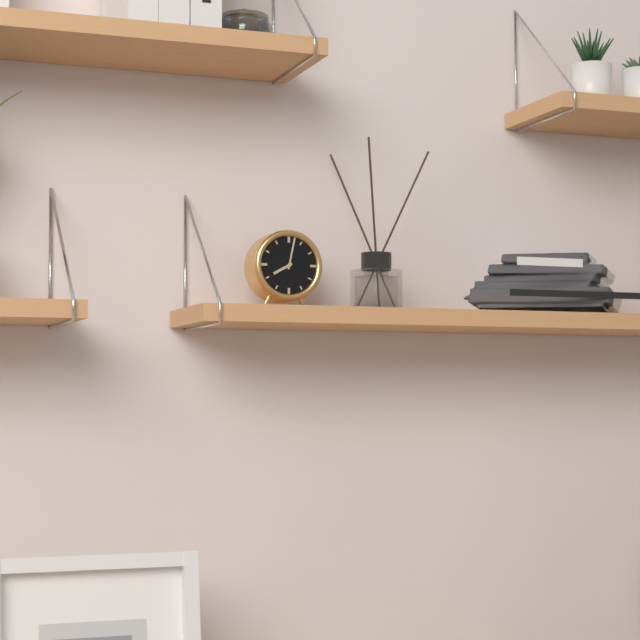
8:02
